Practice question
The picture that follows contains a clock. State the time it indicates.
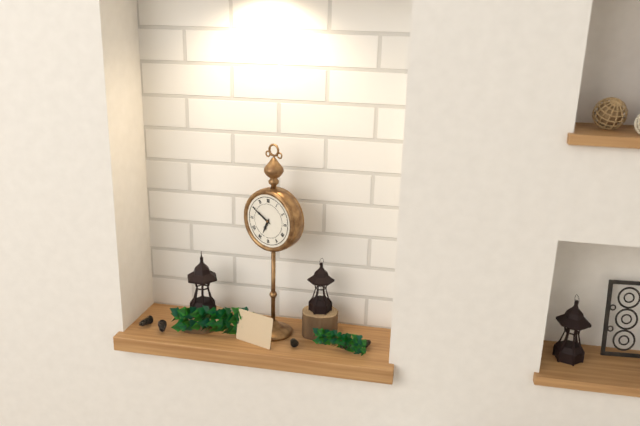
6:50
